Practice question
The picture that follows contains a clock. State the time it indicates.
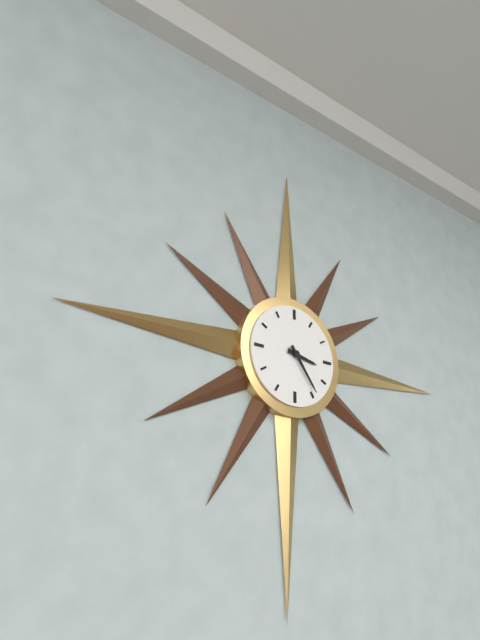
3:24
